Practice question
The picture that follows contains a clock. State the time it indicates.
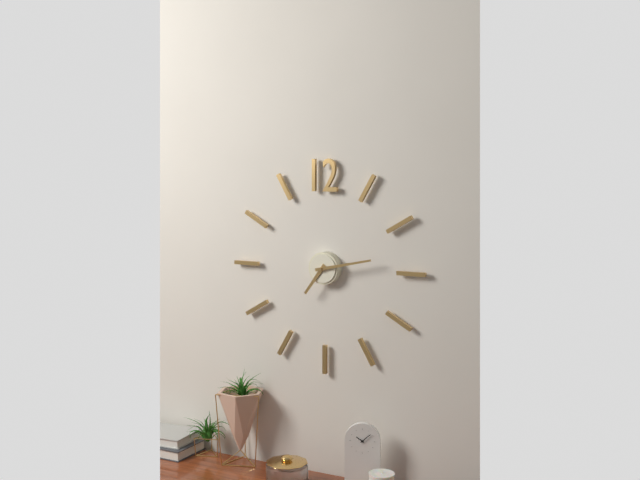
7:13
